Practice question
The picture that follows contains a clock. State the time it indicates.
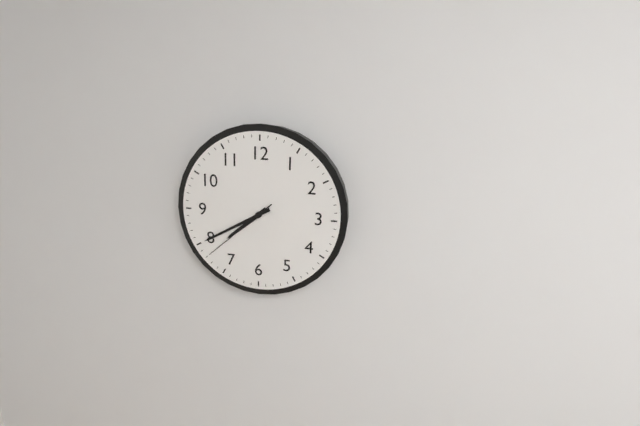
7:40:38
